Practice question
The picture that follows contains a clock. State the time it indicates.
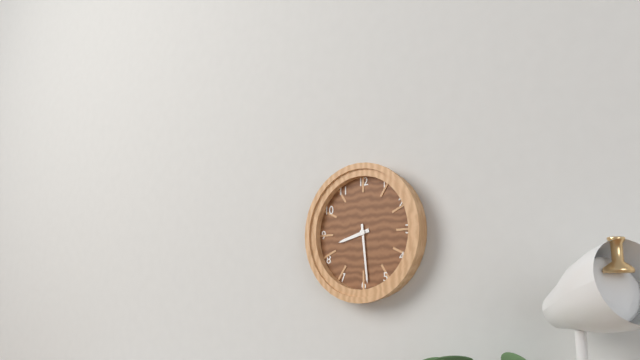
8:29
